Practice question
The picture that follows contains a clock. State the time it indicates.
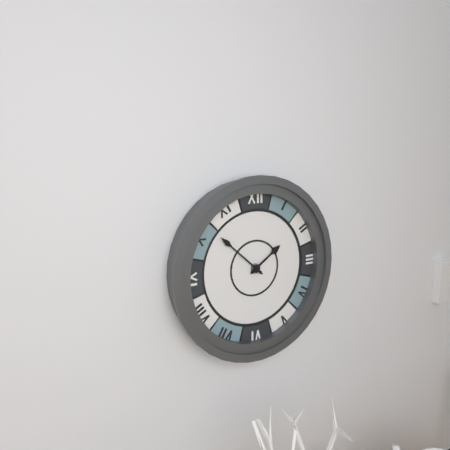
1:52
